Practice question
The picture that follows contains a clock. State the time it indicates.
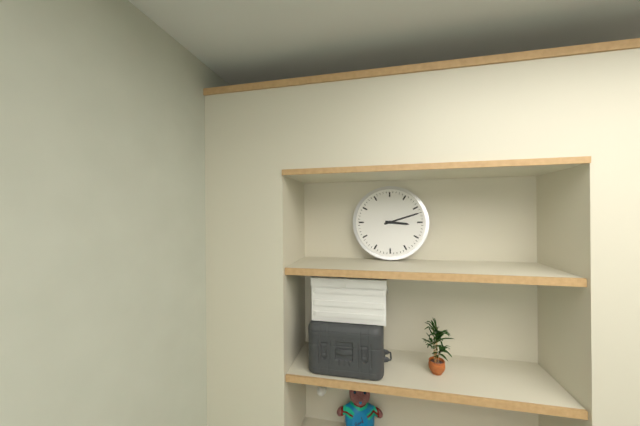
3:12
